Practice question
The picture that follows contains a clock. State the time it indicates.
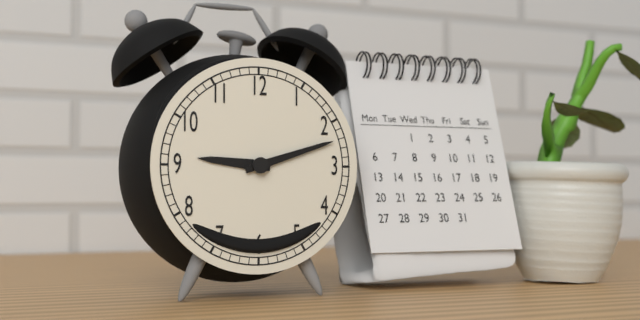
9:12
